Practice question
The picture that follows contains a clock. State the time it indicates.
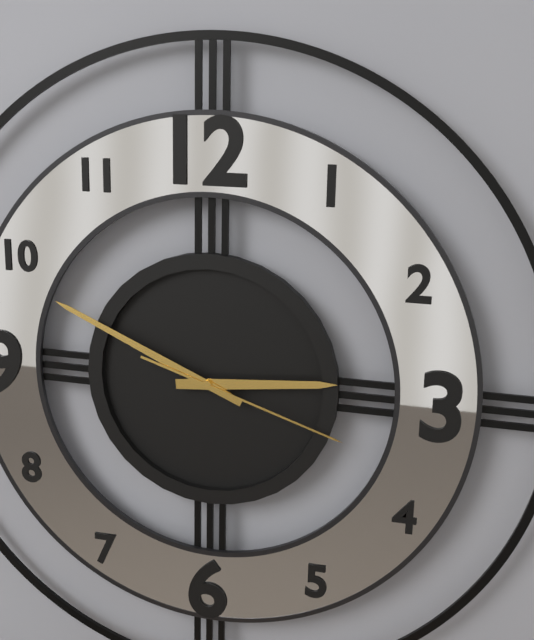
2:49:18
